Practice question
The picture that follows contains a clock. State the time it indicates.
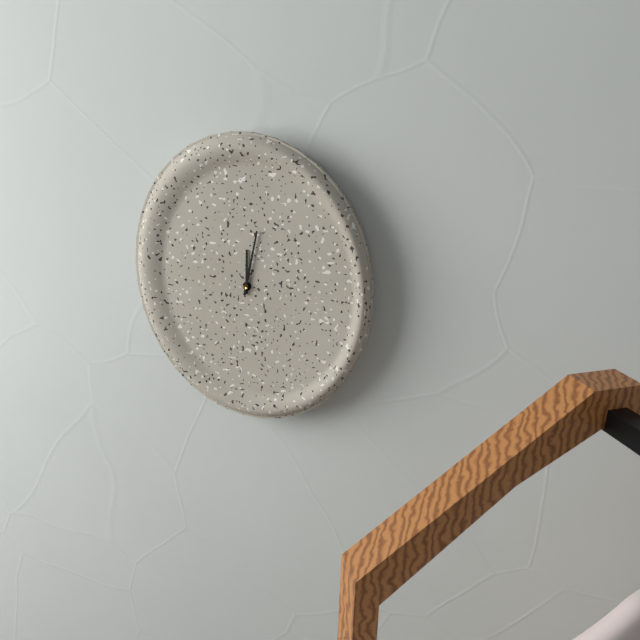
12:02
